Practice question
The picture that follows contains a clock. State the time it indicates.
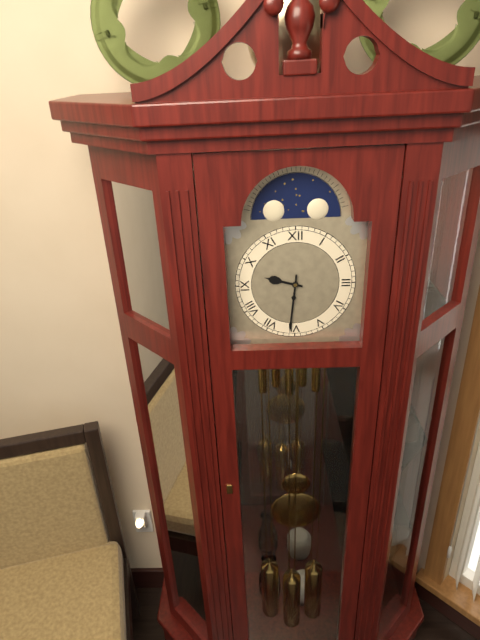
9:31
